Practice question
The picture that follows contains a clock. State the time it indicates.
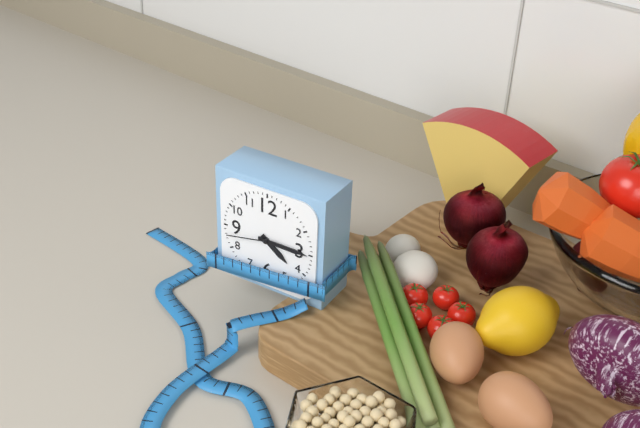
4:15
